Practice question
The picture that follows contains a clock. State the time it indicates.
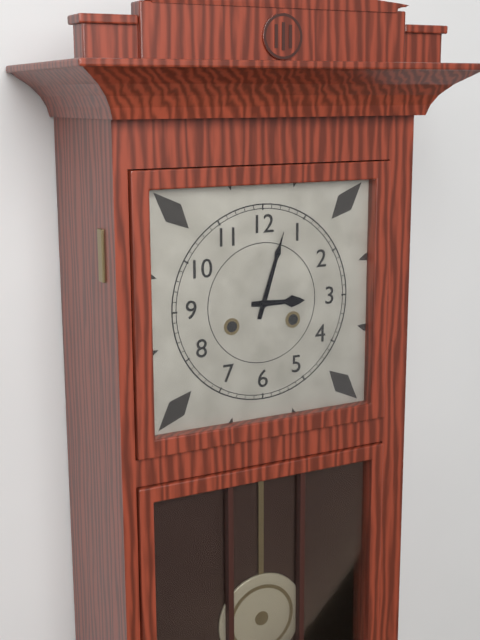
3:03
